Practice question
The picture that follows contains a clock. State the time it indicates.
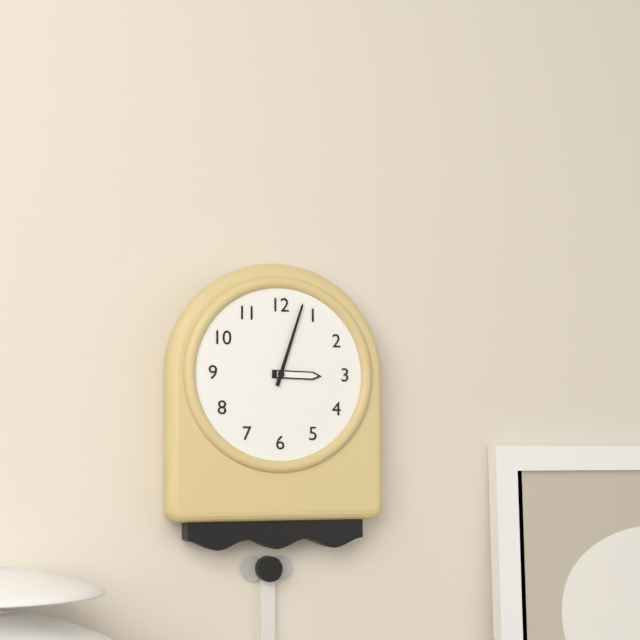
3:03
